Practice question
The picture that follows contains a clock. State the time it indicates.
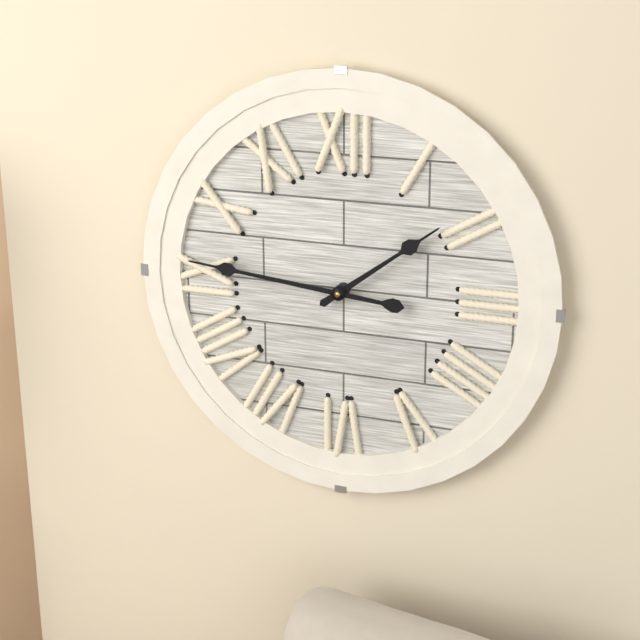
1:46
